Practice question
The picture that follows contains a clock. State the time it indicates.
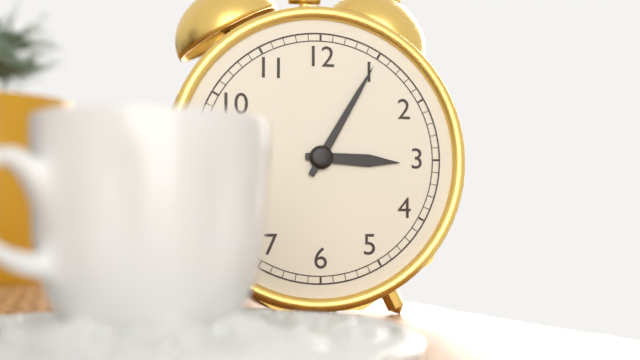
3:05
